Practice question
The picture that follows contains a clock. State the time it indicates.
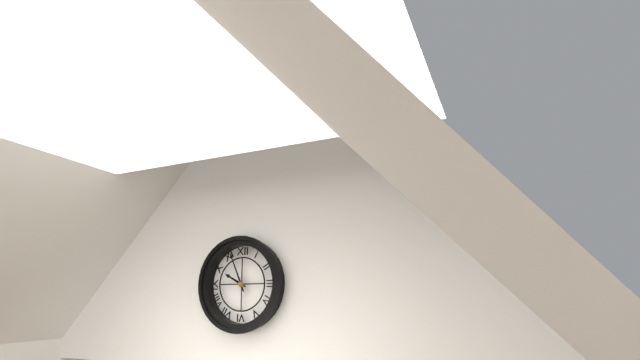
9:56
